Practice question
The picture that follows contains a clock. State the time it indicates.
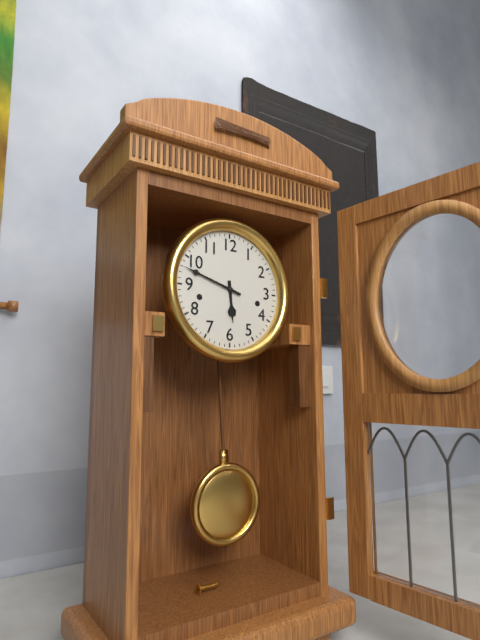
5:48
